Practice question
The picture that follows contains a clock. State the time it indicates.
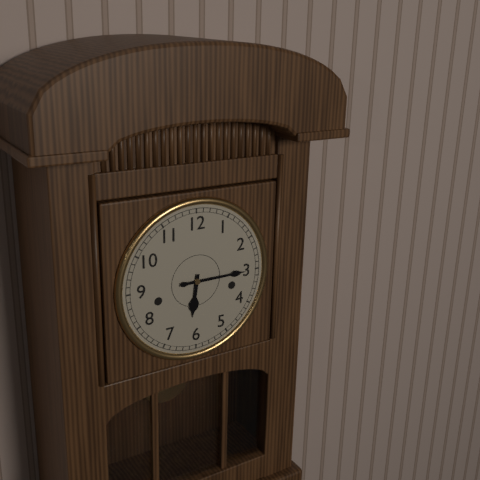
6:15
